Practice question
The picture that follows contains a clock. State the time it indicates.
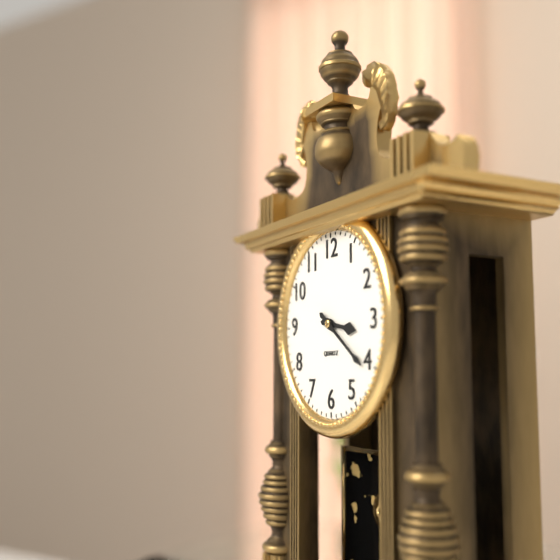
3:21
